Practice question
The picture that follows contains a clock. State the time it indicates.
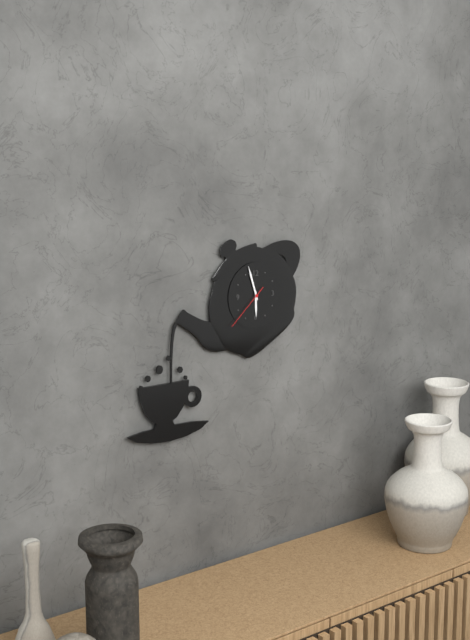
5:57:38
